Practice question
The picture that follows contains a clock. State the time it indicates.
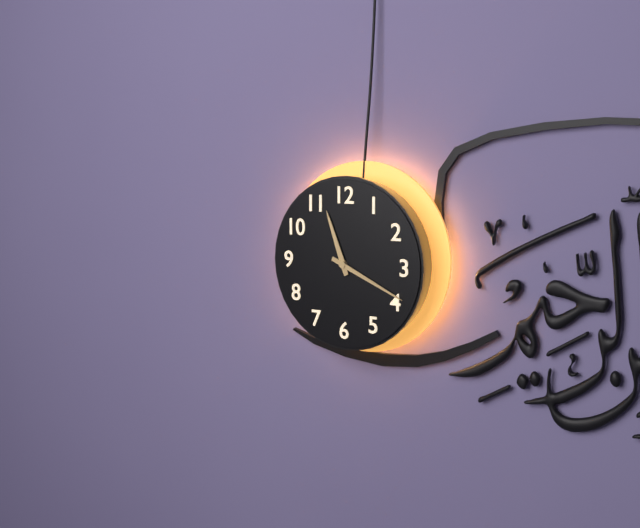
11:19
